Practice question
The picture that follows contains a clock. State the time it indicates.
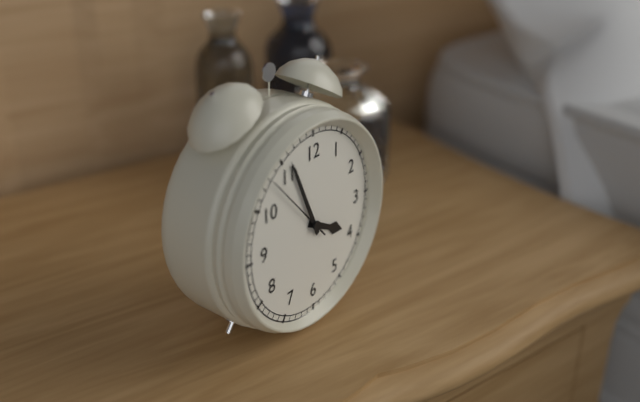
3:56:53
